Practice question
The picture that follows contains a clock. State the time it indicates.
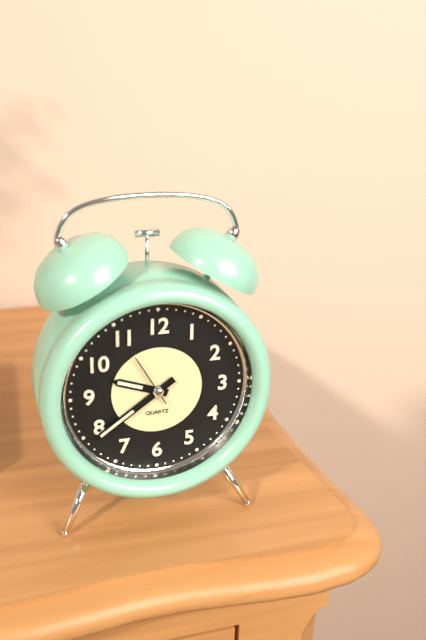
9:39
